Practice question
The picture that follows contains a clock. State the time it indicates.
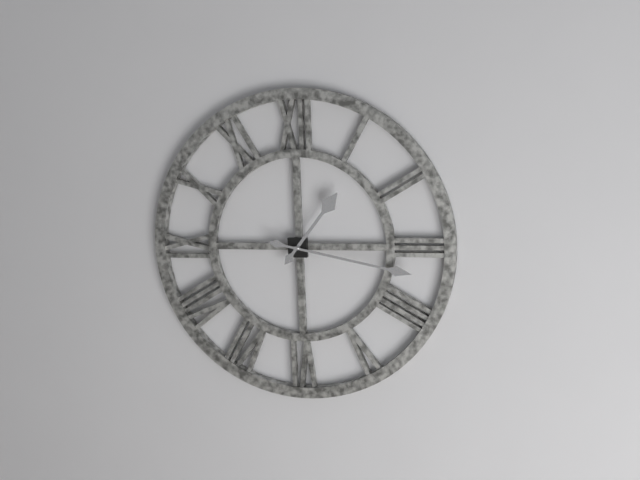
1:17
